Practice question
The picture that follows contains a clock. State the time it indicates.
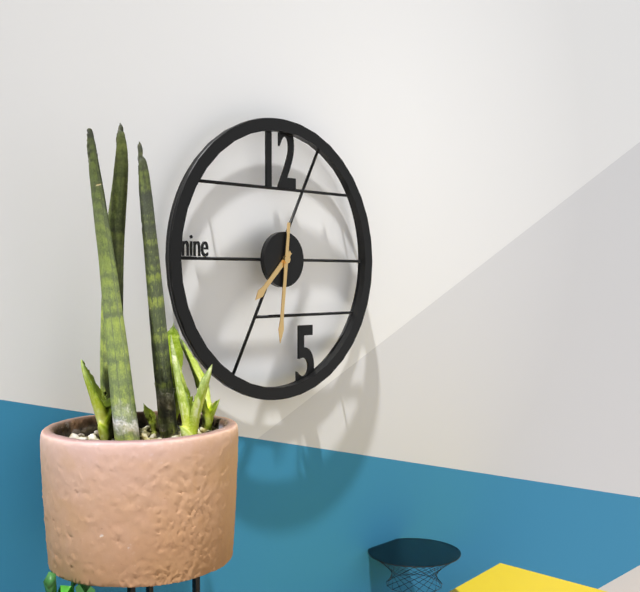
7:31
